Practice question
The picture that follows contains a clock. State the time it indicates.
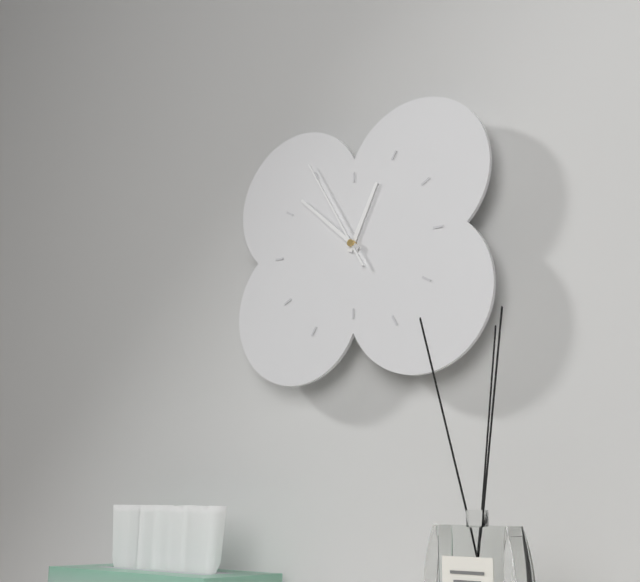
12:52:55
